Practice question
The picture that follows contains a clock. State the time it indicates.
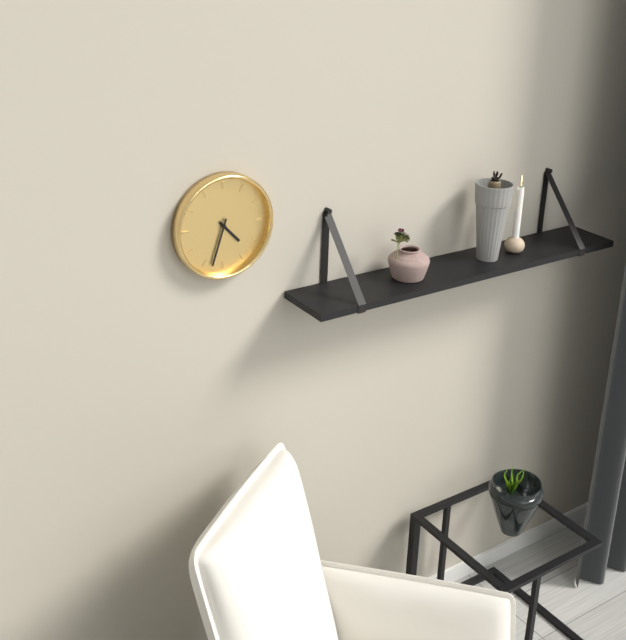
4:33
